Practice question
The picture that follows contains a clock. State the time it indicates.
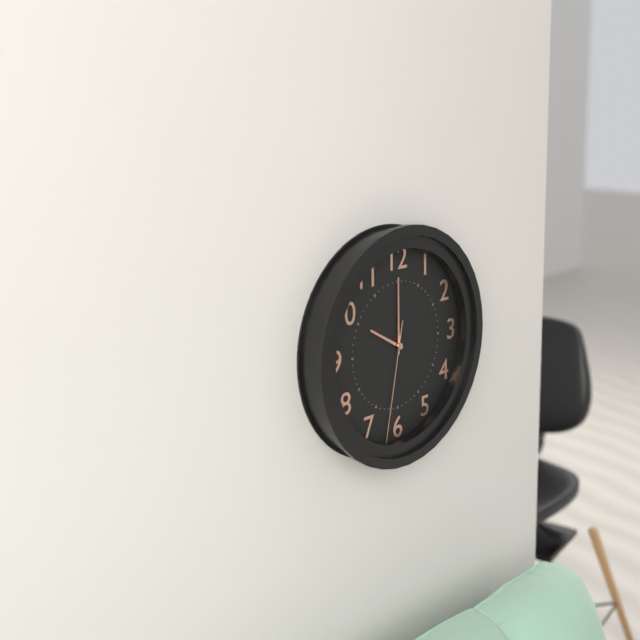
10:00:32
